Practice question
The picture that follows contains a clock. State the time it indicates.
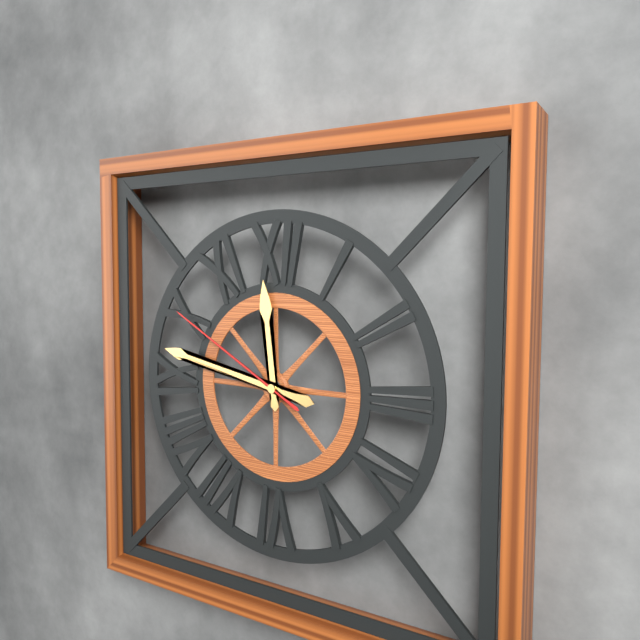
11:47:50
